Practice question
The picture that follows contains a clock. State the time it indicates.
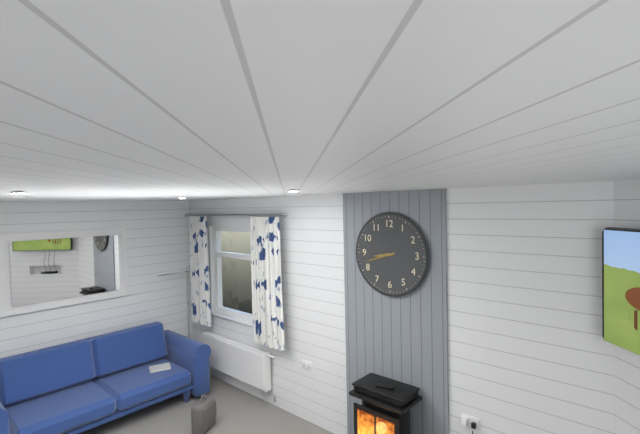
8:42
